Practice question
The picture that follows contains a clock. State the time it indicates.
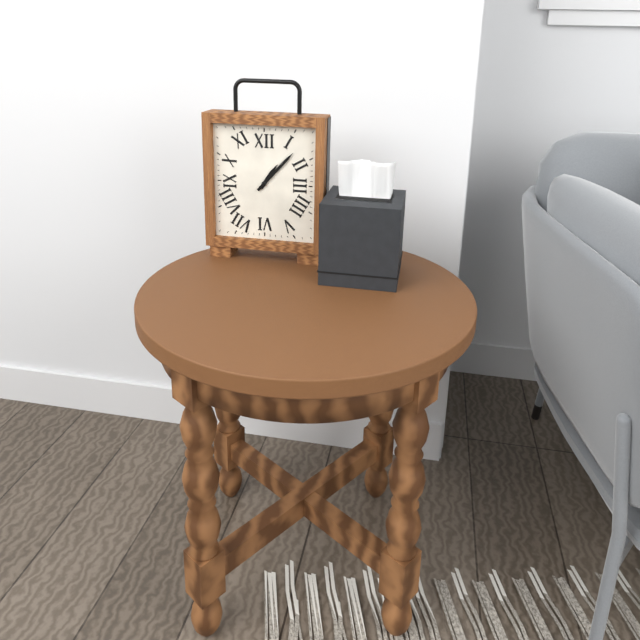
1:07
